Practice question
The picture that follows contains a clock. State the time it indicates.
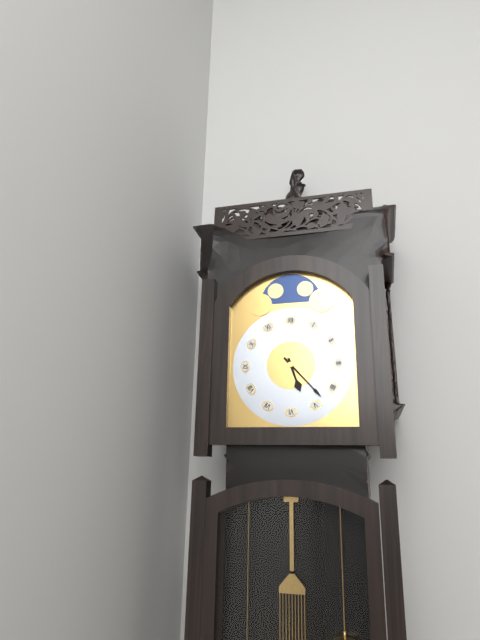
5:23
